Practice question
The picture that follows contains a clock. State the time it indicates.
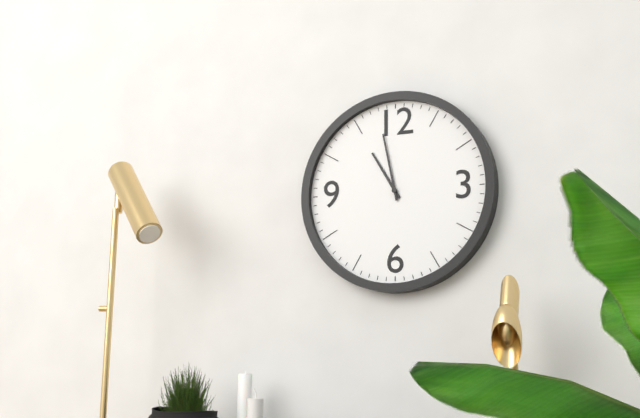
10:58
